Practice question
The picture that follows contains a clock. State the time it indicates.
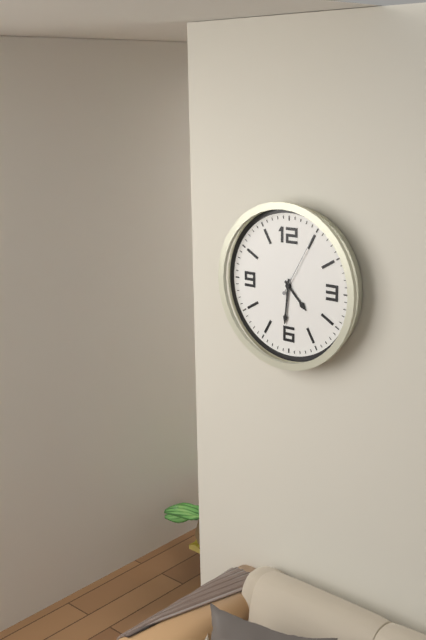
4:31:05
